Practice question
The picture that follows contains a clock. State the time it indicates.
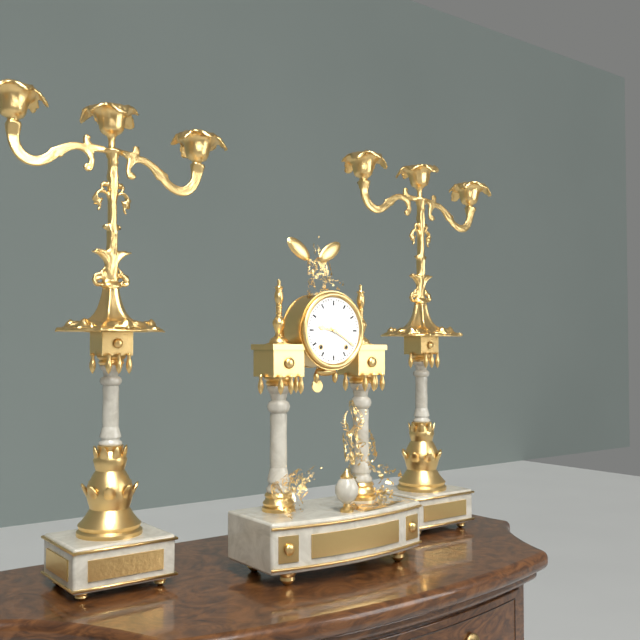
9:20
